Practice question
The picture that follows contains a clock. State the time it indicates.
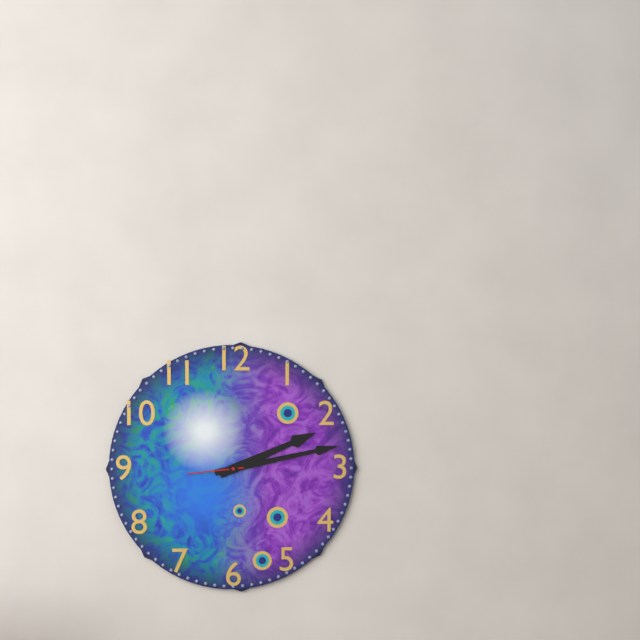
2:13:44
